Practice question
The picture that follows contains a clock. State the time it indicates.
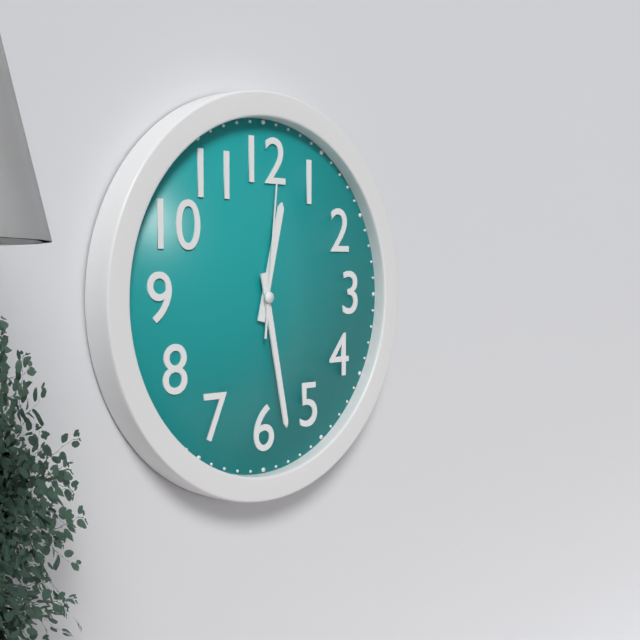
12:28:01
